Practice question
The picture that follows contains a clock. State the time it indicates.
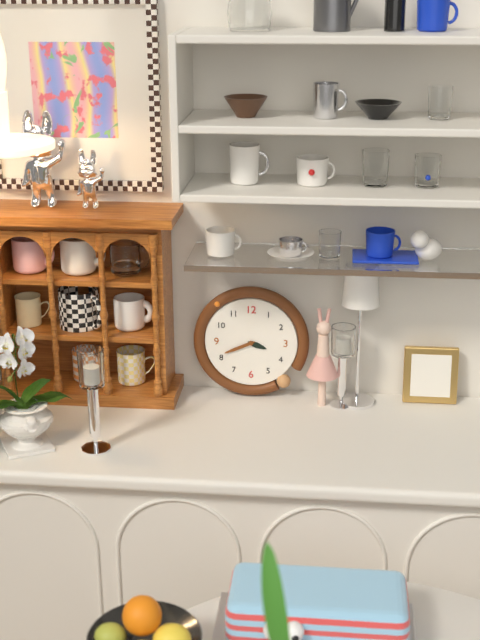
3:41
